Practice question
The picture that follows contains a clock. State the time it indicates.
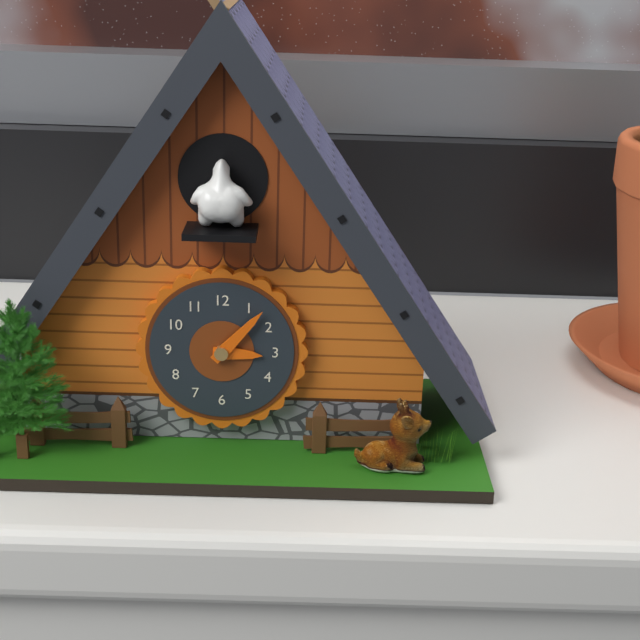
3:07
